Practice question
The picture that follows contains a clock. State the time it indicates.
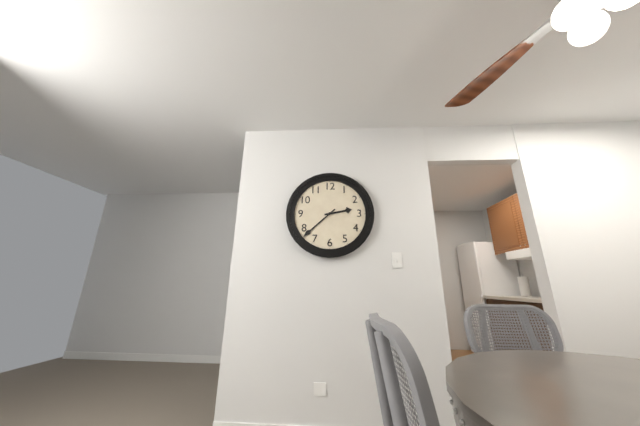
2:38
